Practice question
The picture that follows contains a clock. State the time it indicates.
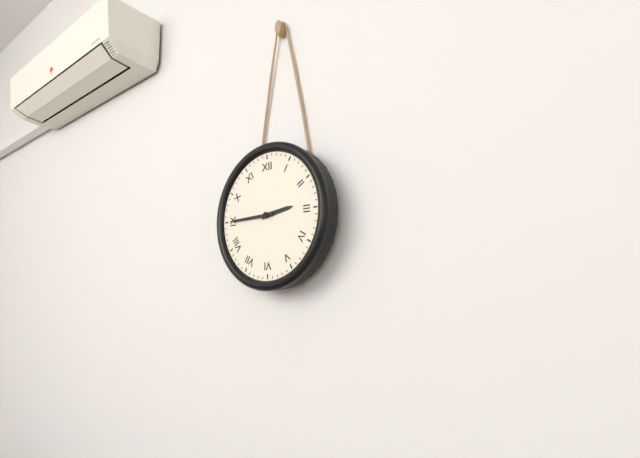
2:45
